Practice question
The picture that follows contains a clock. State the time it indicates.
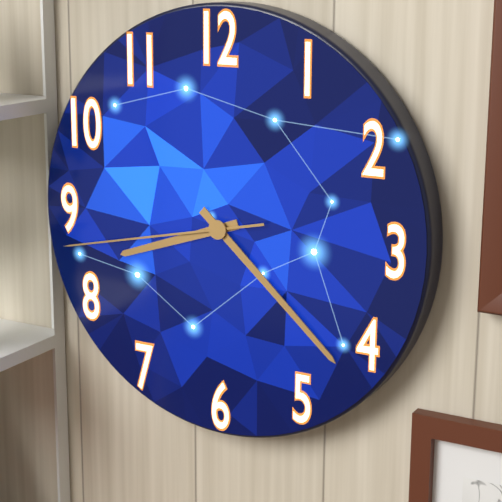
8:22:43
